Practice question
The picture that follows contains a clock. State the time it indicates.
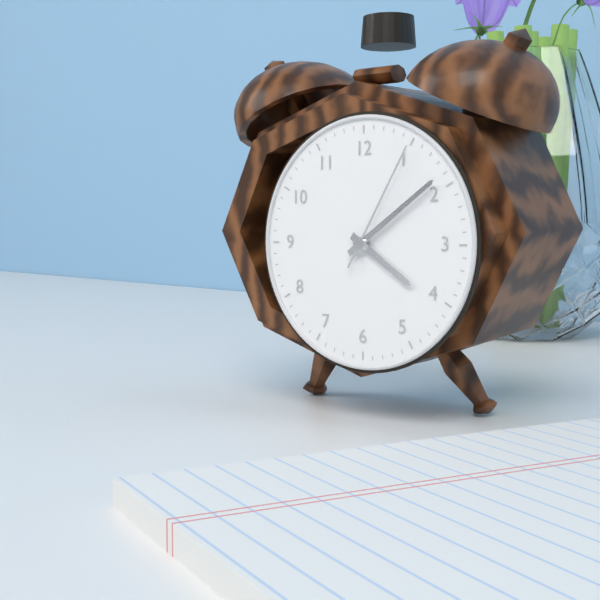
4:09:05
